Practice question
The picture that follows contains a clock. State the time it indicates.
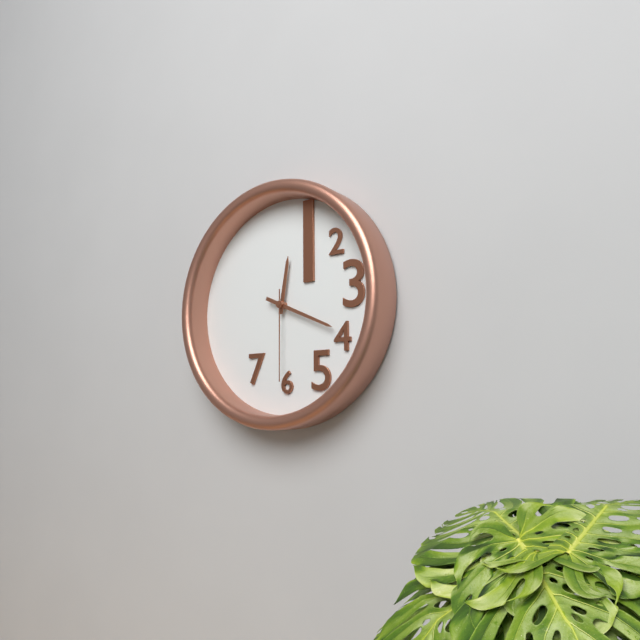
12:19:30
